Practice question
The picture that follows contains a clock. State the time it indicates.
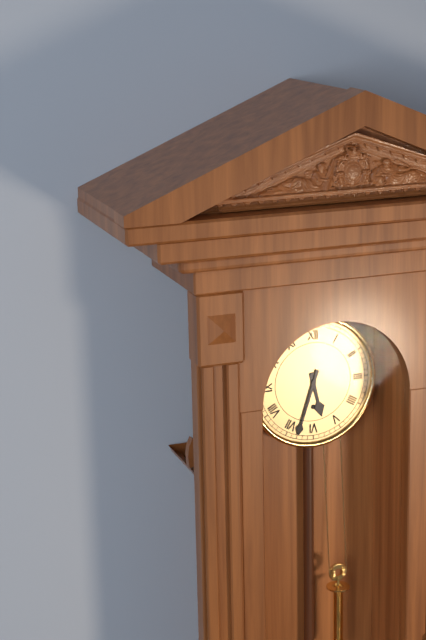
5:33
